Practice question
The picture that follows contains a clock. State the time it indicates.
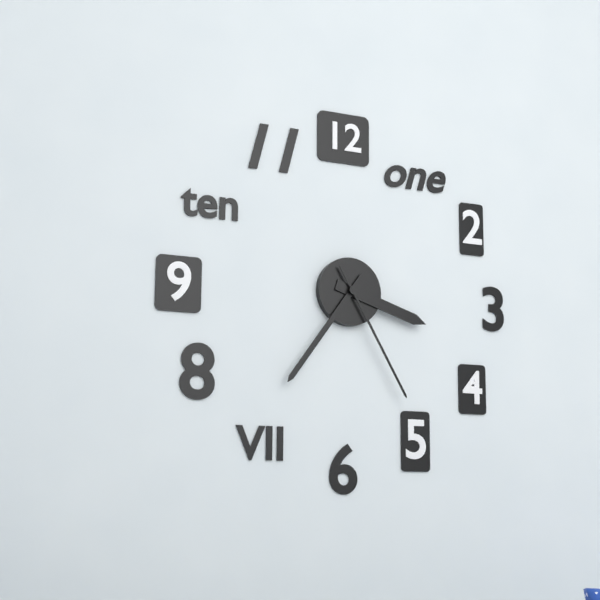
3:36:25
